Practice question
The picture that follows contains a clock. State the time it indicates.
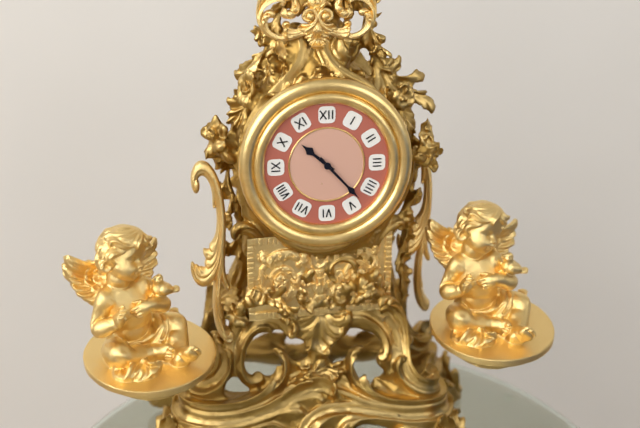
10:23
